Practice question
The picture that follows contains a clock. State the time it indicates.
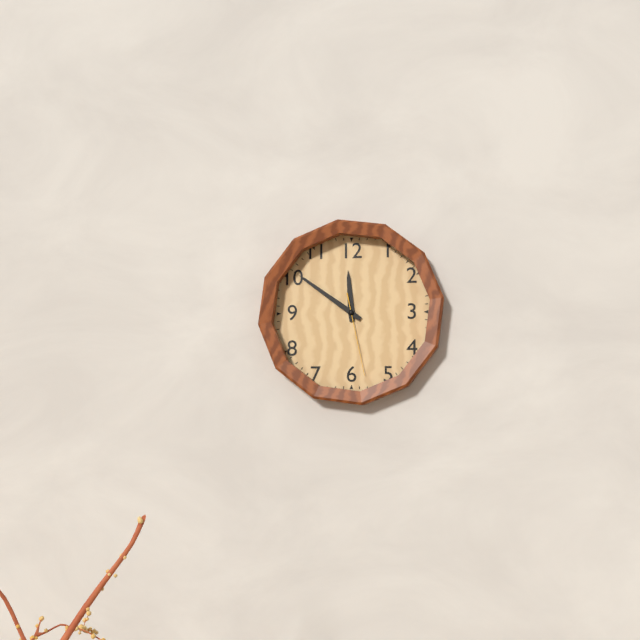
11:51:28
